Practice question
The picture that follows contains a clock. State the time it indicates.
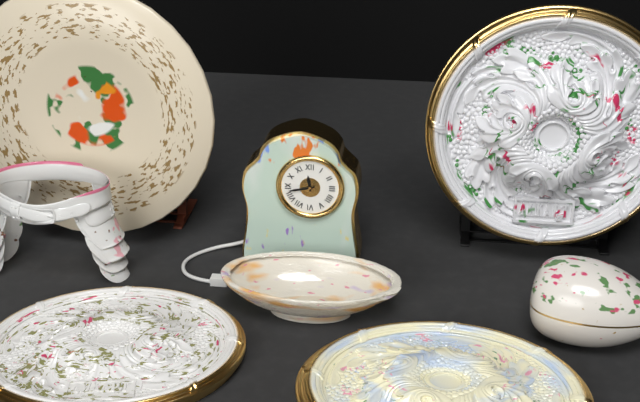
11:43
